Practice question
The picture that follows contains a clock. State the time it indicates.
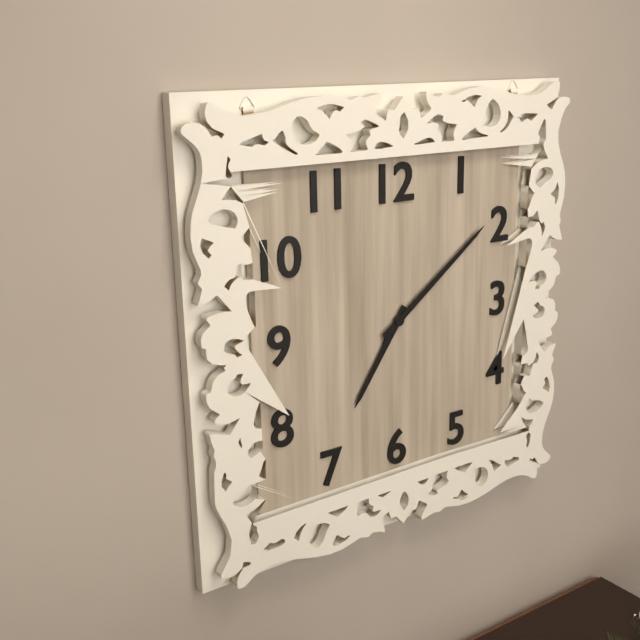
7:09
